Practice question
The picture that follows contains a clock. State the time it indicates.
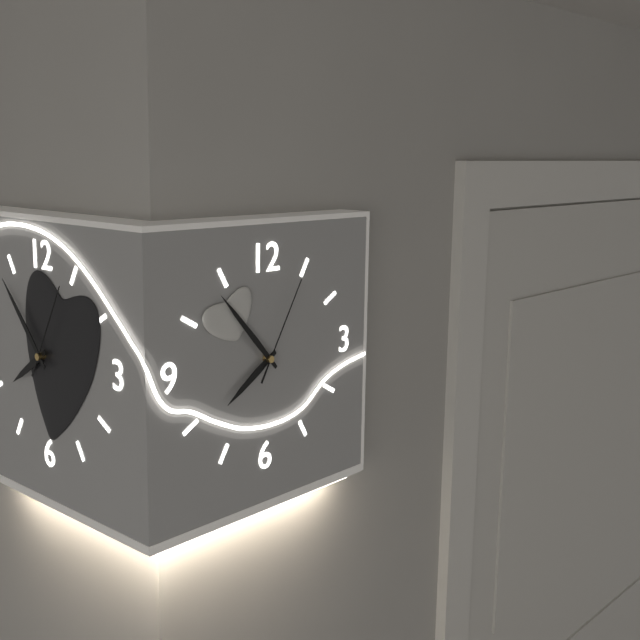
7:53:05
